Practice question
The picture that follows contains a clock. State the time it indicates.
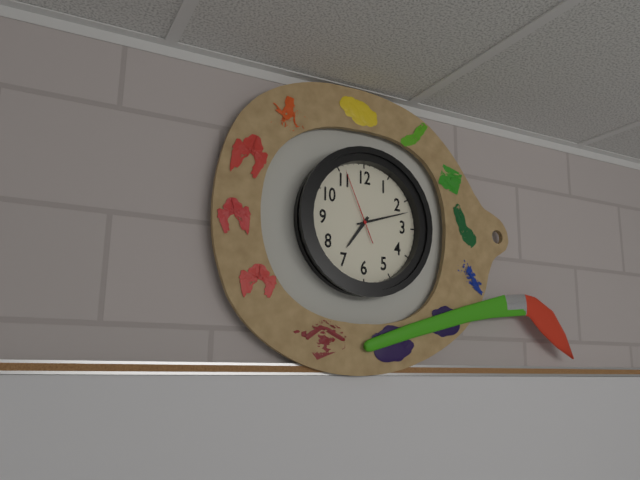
7:12:56
